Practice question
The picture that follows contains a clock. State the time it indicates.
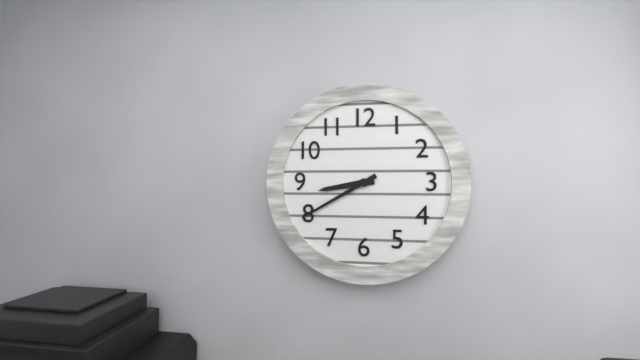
8:40
